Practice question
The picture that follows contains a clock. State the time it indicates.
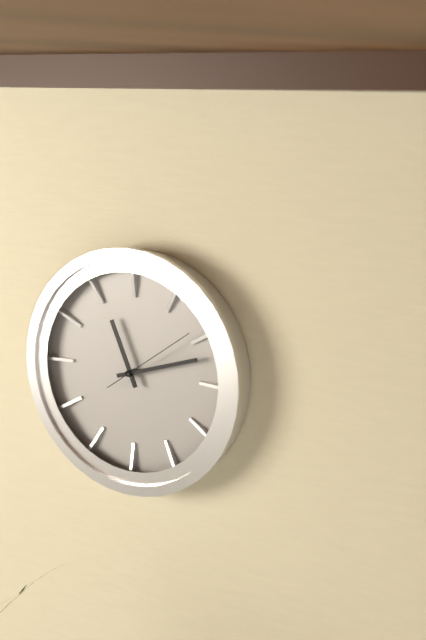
11:12:09
